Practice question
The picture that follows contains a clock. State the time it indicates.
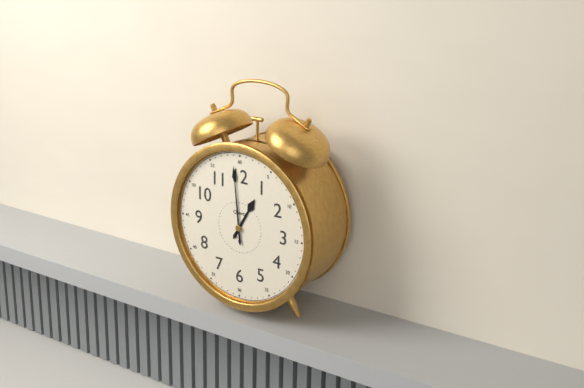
12:59
